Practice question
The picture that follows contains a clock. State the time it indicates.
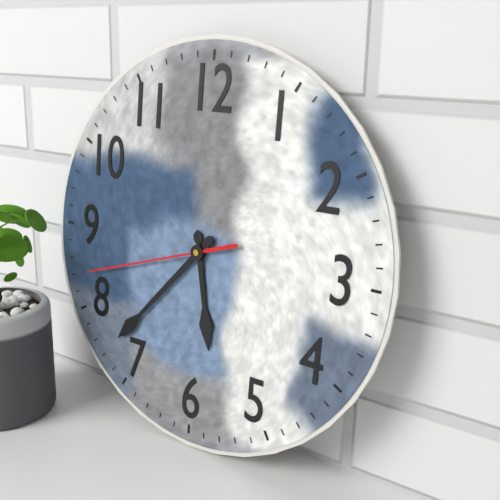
5:37:42
